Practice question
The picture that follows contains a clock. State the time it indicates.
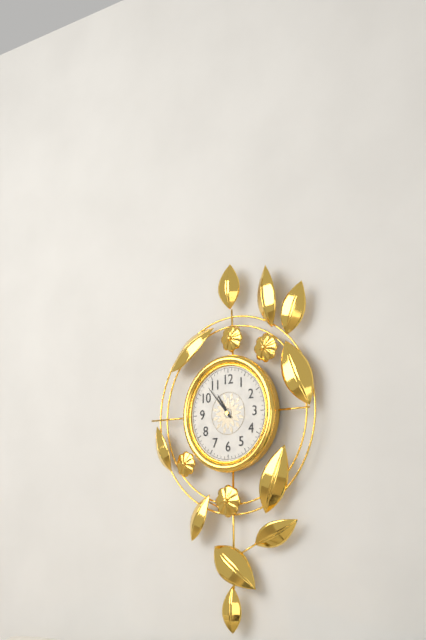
10:53
